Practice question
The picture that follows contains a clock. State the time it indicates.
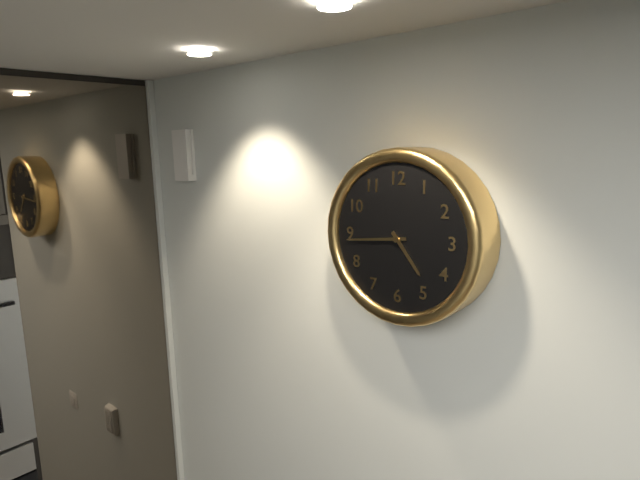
4:44
